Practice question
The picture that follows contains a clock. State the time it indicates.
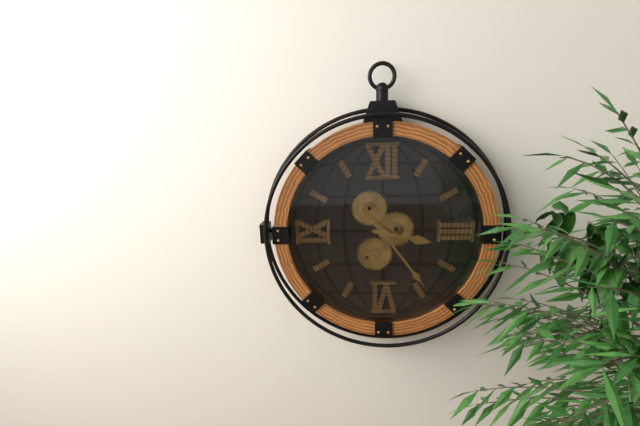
3:24
